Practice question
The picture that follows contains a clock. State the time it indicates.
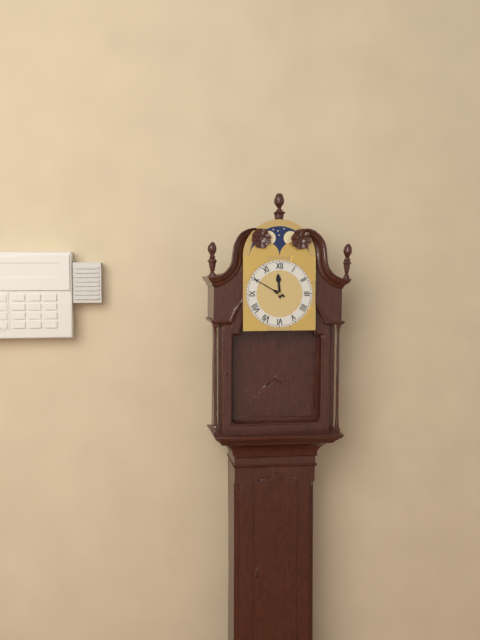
11:50
